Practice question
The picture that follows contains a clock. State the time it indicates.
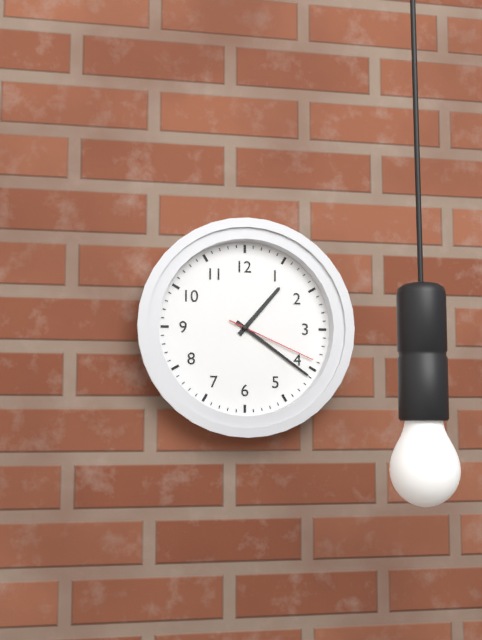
1:21:19
